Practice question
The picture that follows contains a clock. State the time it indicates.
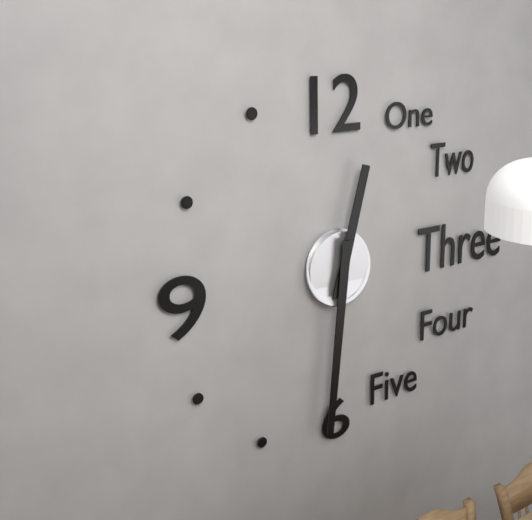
12:31
